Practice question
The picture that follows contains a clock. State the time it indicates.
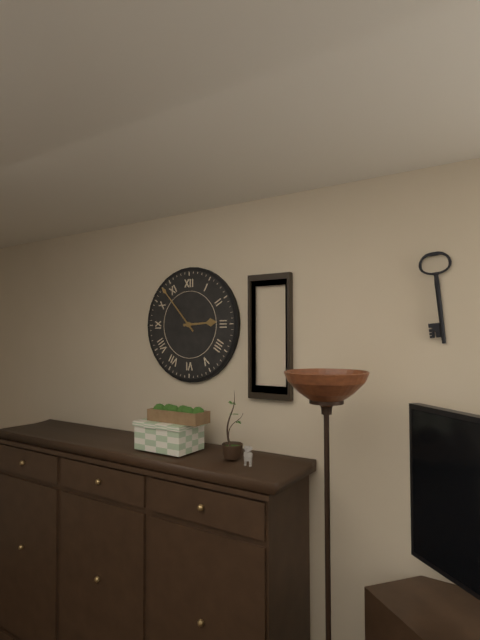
2:53
